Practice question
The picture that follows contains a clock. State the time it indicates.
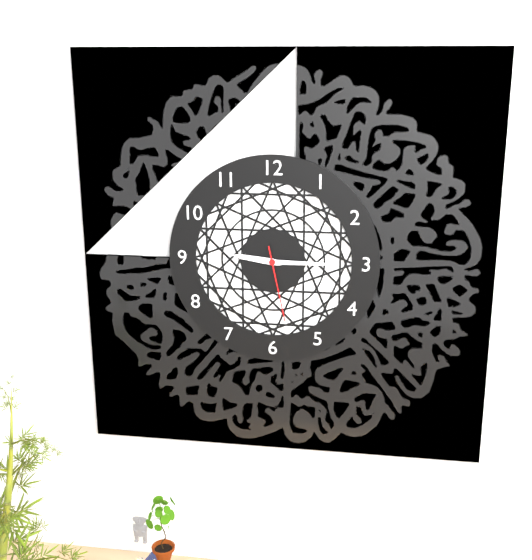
9:15:28
